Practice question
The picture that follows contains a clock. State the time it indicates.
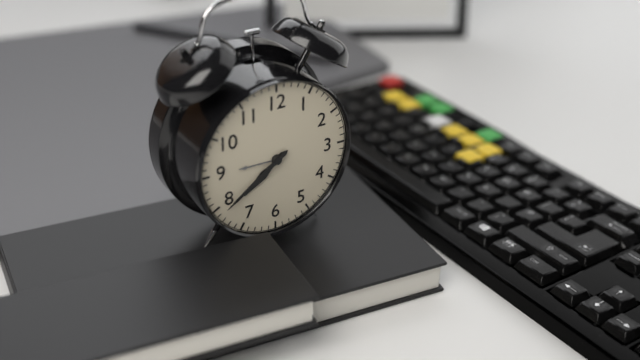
7:39
